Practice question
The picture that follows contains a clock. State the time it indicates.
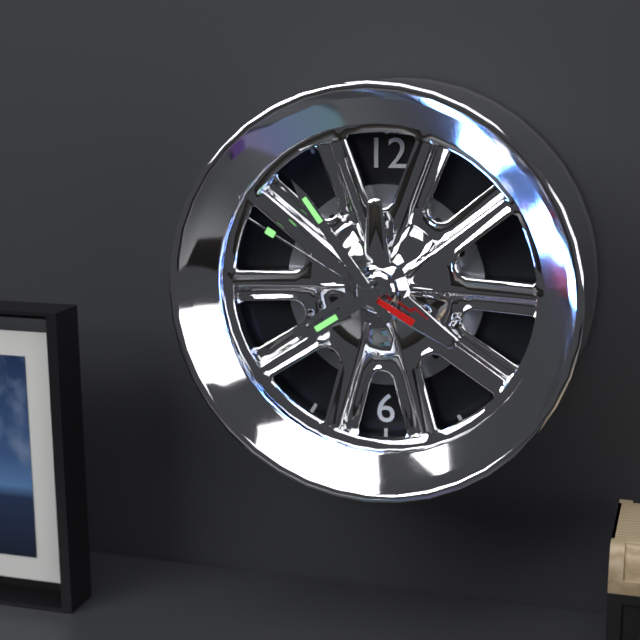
7:54:50
